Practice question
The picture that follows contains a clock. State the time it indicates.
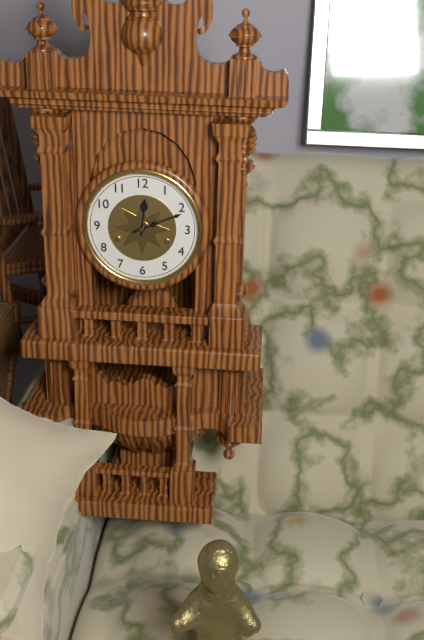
12:11
